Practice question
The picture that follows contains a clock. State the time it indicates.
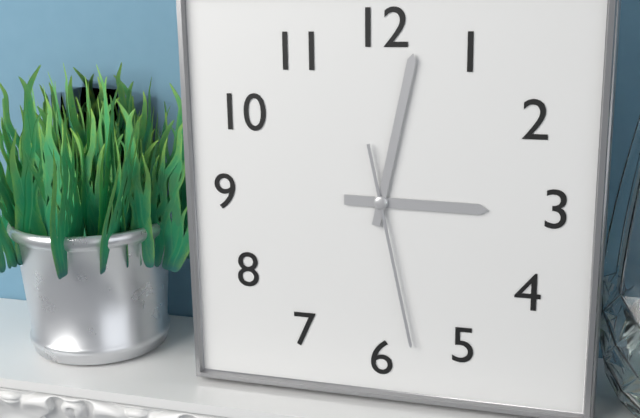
3:02:28
